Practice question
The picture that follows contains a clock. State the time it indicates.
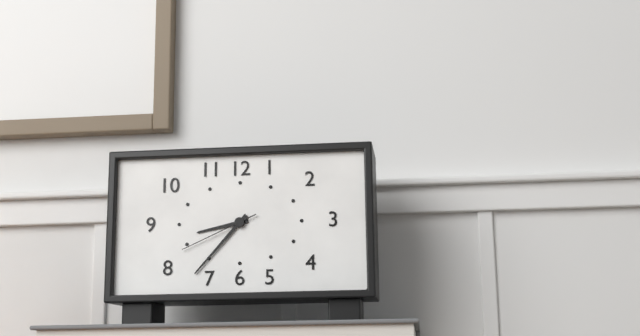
8:37:41
